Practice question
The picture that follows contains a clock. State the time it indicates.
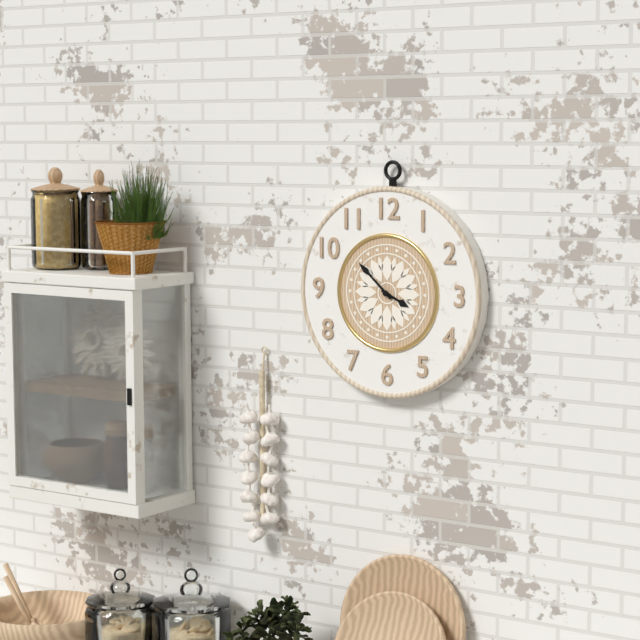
3:52
